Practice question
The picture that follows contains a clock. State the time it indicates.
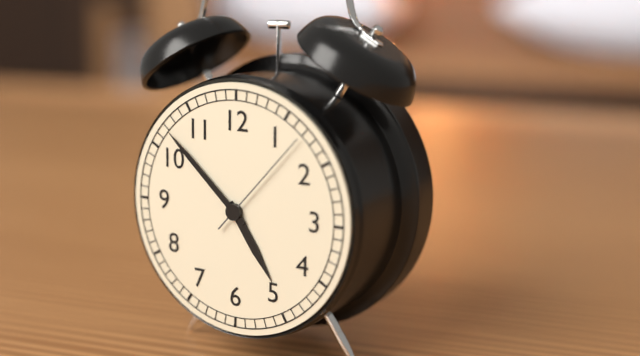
4:52:07
